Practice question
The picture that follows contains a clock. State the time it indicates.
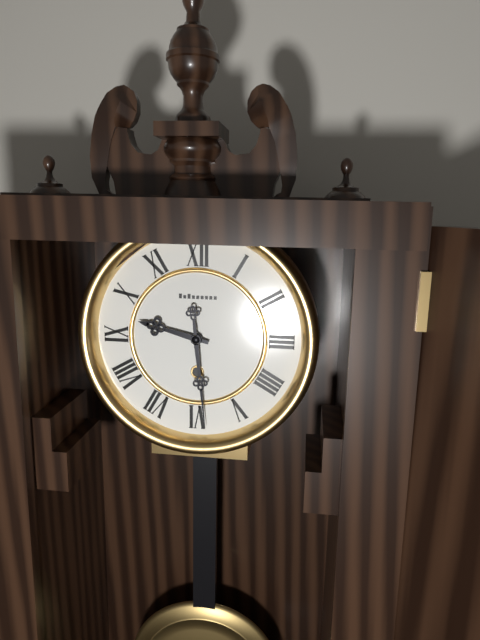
9:29
